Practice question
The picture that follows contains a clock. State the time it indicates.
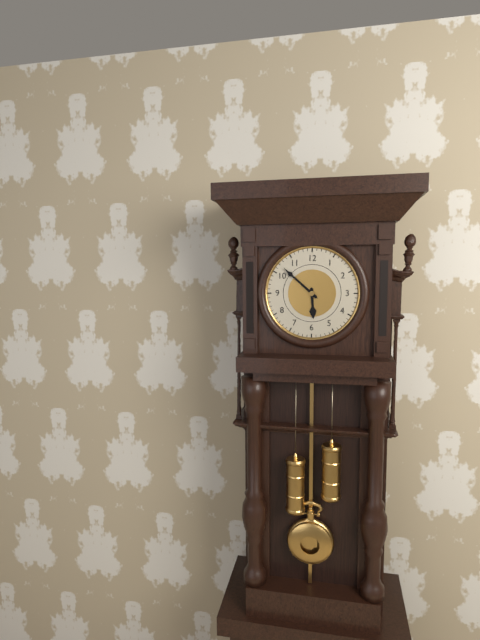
5:52
